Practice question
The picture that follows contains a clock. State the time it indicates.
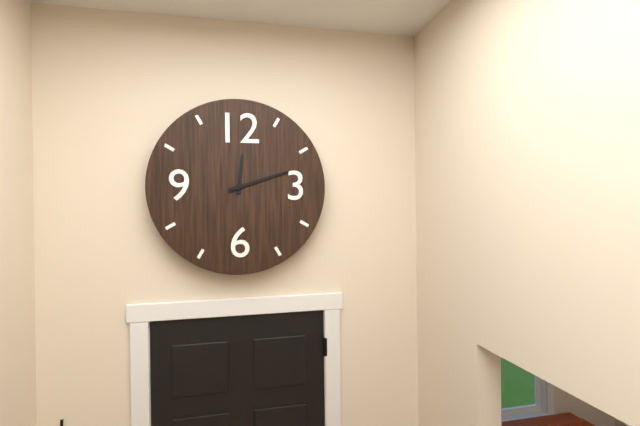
12:12
